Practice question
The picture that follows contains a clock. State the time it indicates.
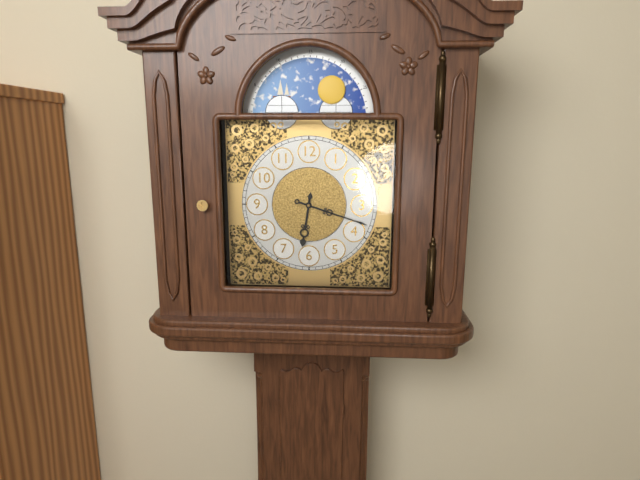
6:18
